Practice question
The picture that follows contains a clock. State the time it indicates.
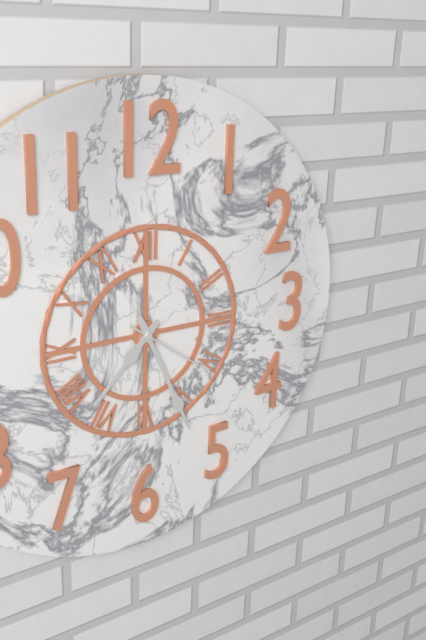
7:26:21
